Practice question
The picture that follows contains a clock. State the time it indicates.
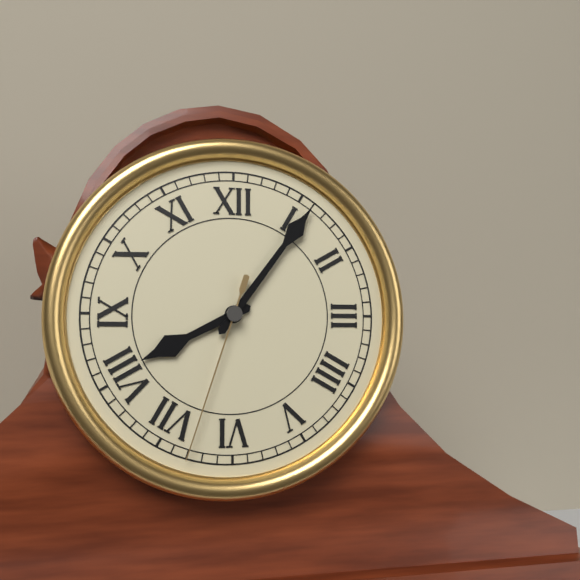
8:06:33
